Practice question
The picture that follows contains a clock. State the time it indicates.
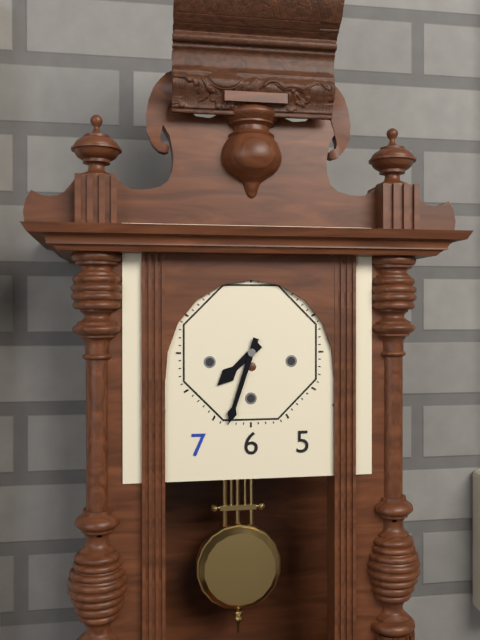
7:33
